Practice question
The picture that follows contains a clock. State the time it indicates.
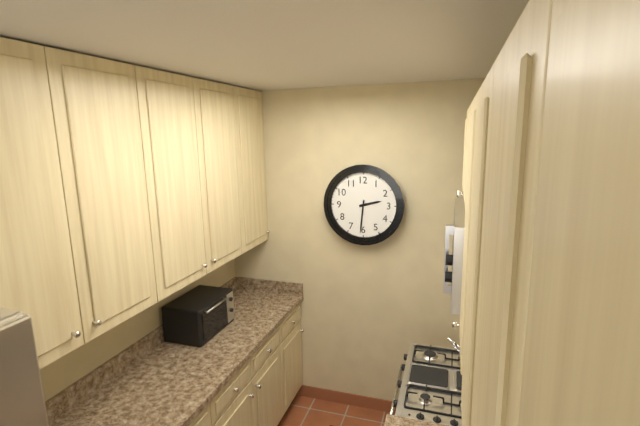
2:31
